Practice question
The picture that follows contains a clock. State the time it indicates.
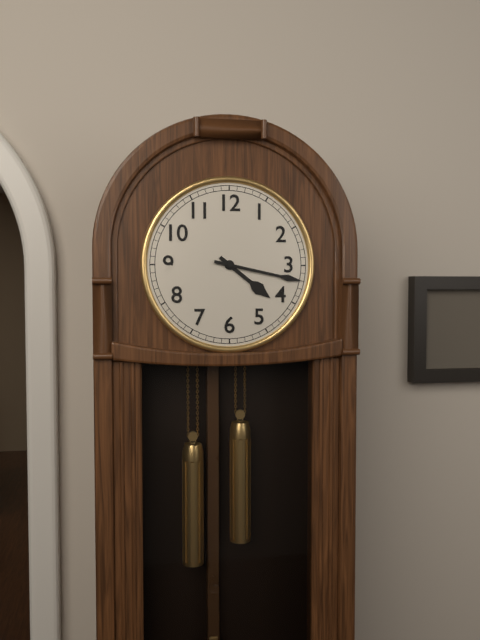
4:17
